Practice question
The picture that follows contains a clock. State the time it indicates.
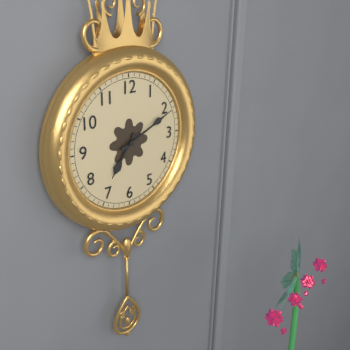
7:11
